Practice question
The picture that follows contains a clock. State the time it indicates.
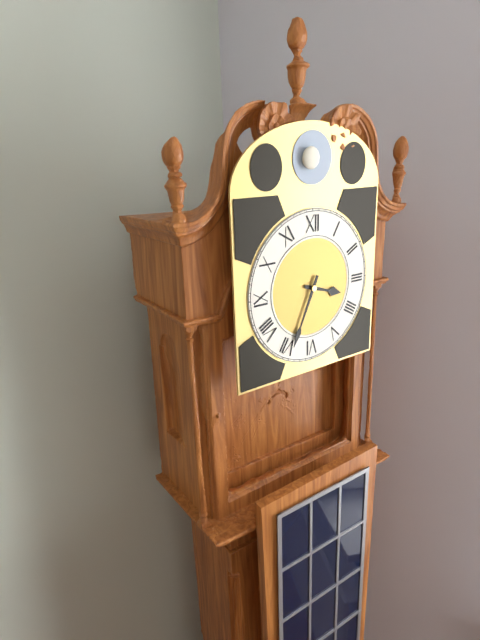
3:34
